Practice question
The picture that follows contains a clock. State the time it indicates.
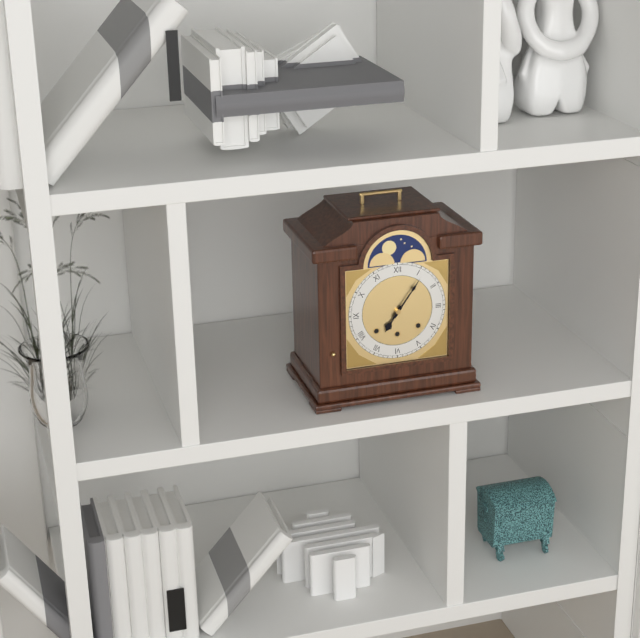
7:06
